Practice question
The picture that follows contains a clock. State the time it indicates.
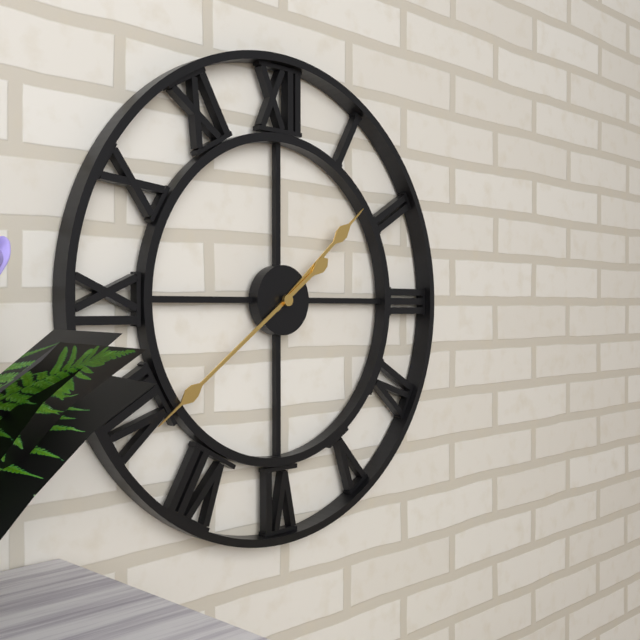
1:39
